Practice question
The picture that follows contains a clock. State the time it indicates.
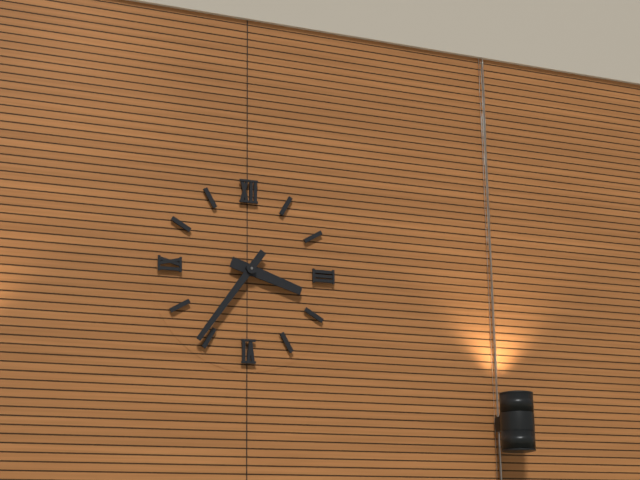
3:36
